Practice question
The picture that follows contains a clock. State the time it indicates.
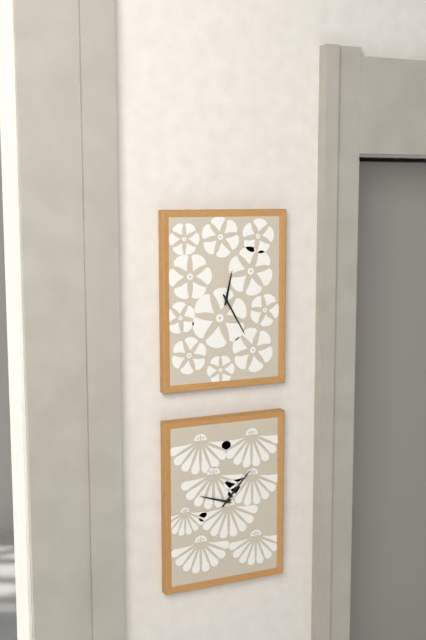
12:25
